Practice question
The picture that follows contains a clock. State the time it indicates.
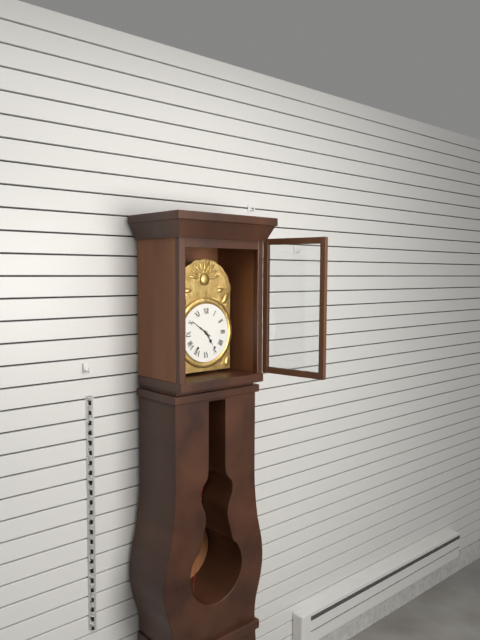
4:51
